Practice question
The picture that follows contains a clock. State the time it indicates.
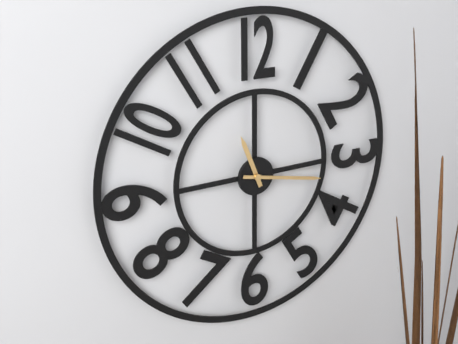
11:17
